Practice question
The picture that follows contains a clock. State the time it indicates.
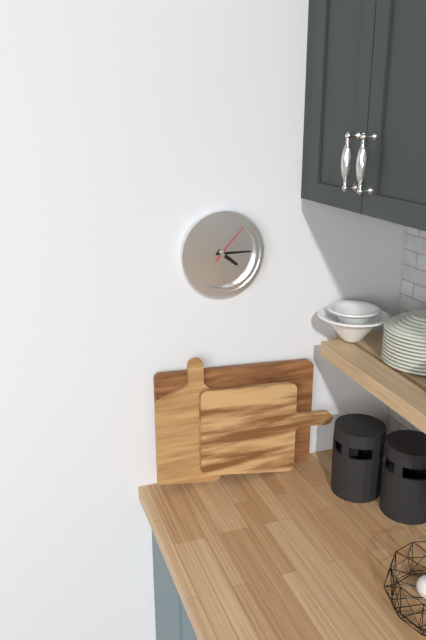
4:15
